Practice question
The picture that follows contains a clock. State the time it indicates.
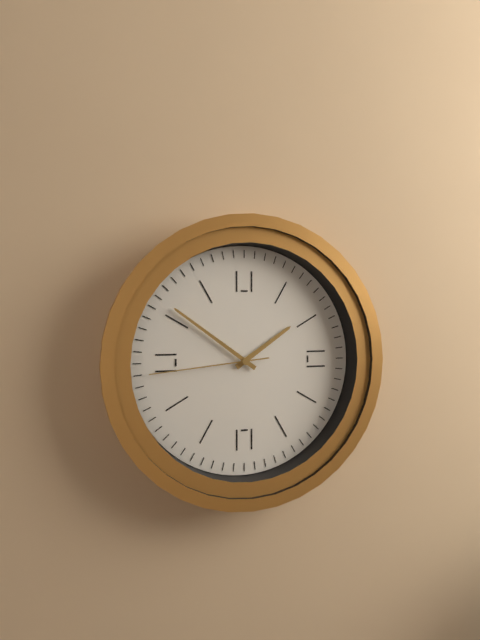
1:51:44
